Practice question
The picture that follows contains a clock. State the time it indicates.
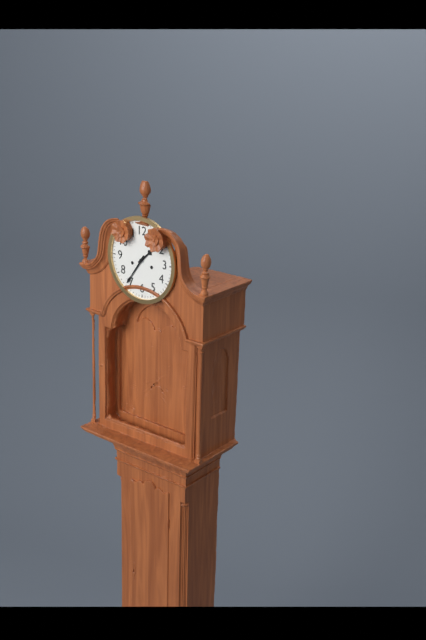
1:36
